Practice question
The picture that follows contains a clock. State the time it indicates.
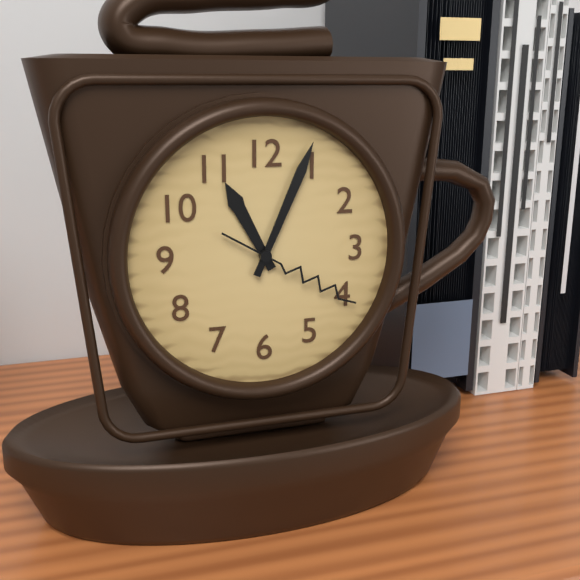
11:04:20
